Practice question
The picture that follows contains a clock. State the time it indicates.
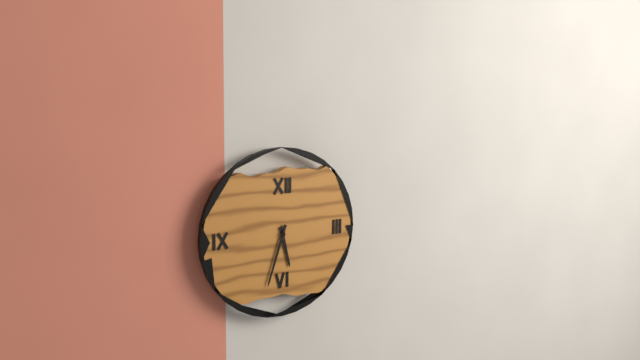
5:33
